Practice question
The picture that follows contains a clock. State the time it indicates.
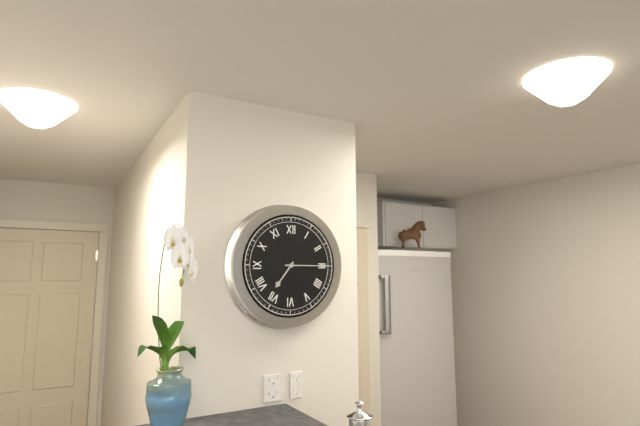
7:15
